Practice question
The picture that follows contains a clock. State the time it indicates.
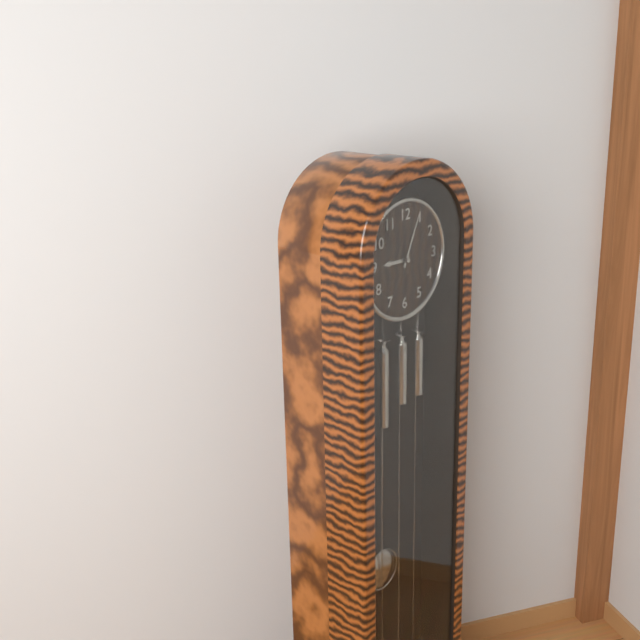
9:04
